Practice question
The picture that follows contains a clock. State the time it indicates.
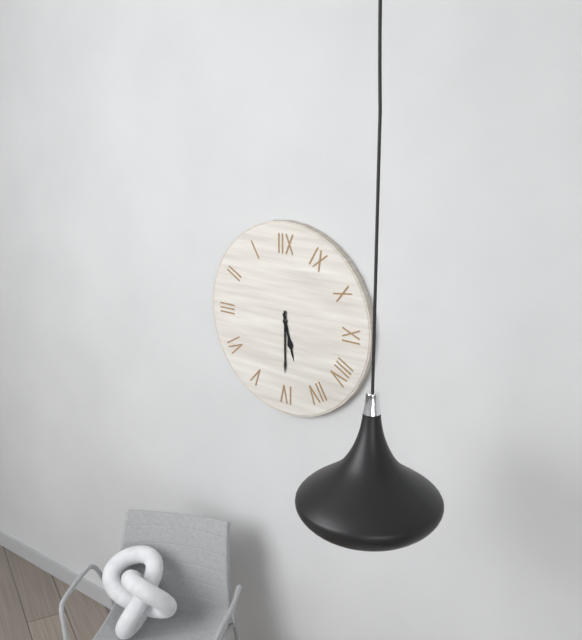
5:30
